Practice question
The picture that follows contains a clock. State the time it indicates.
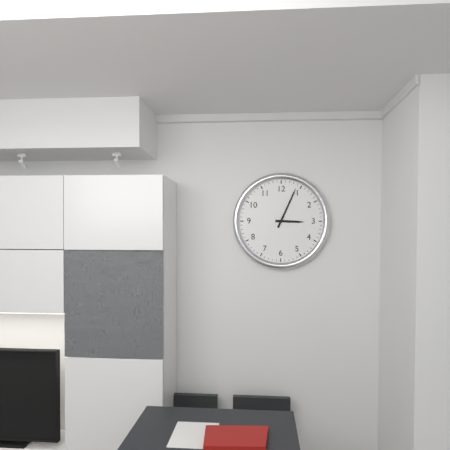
3:04
